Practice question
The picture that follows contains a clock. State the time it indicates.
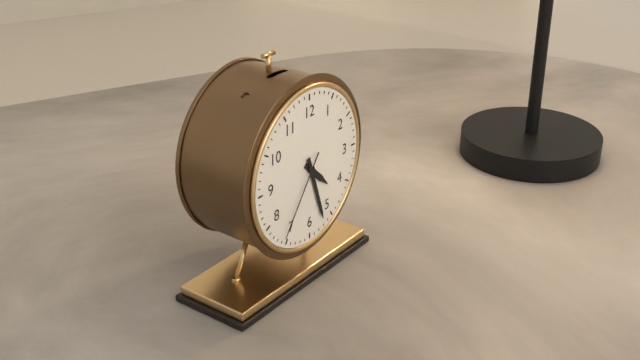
4:27:36
